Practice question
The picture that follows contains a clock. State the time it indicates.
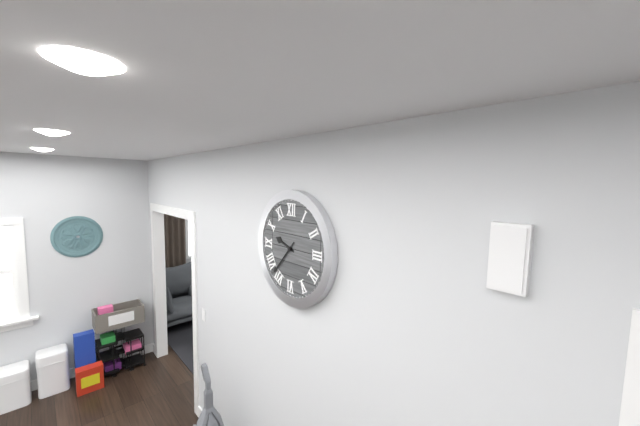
9:37
